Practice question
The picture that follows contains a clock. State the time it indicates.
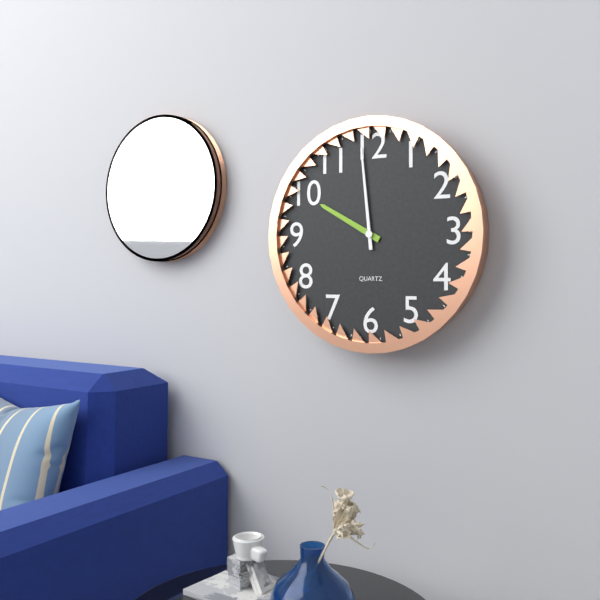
9:59
